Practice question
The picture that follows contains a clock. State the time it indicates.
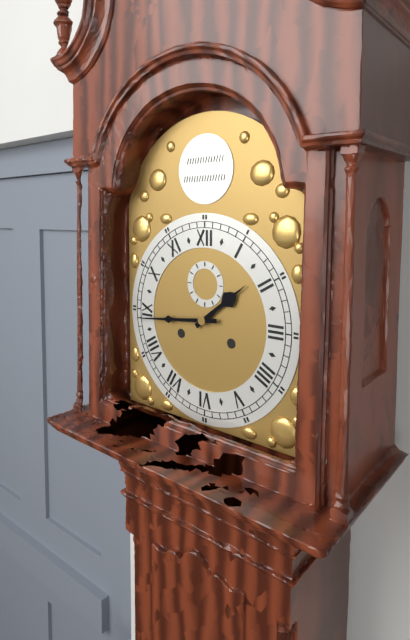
1:44
